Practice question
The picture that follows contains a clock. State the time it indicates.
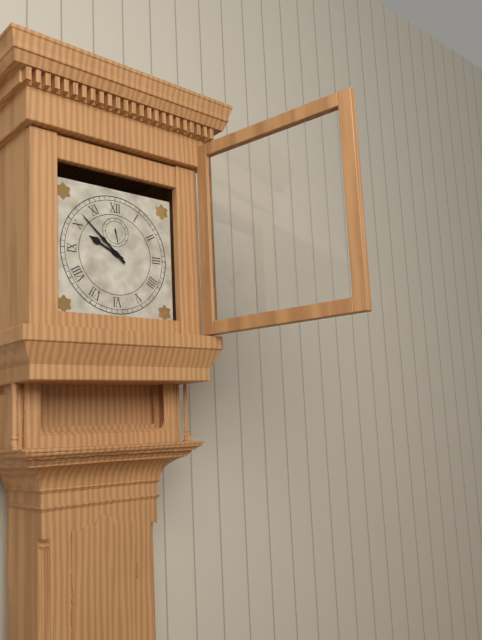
9:52
